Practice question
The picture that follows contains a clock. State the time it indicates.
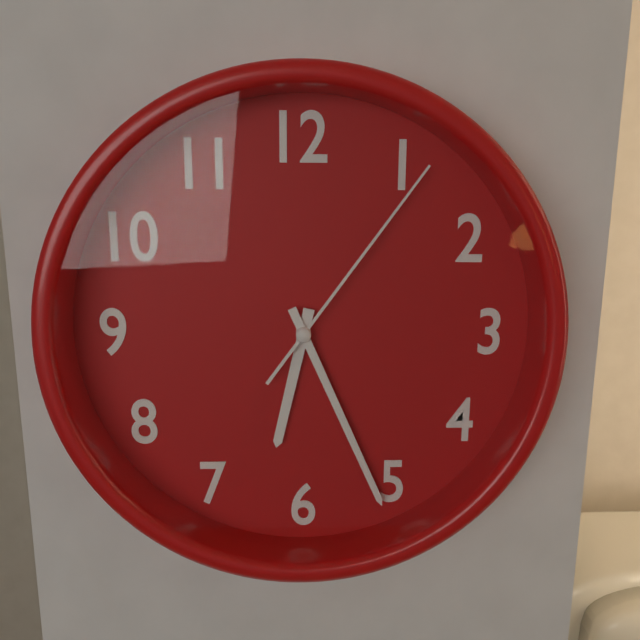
6:26:06
